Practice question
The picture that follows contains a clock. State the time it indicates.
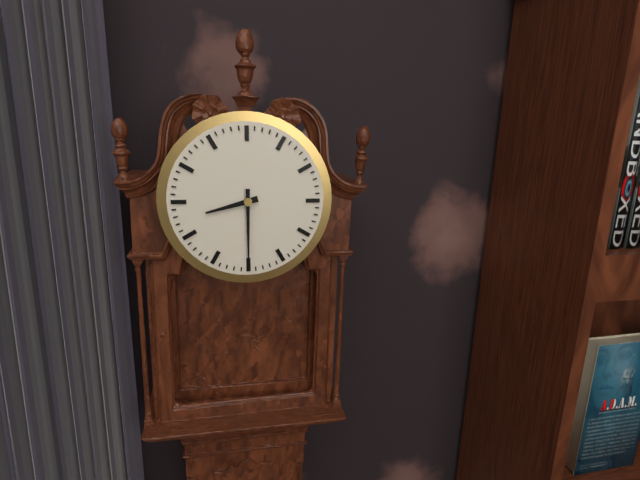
8:30
